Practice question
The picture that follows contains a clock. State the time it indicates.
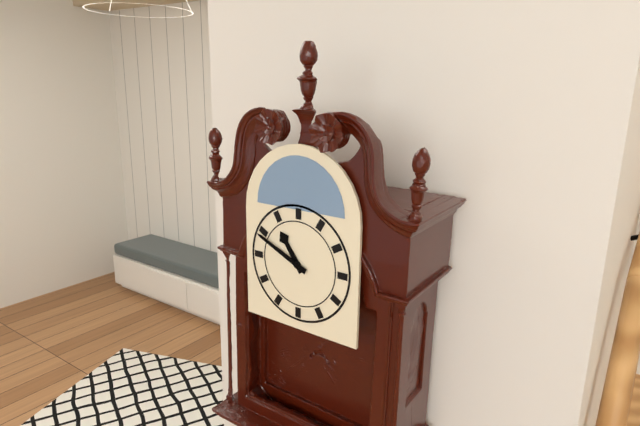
10:49
